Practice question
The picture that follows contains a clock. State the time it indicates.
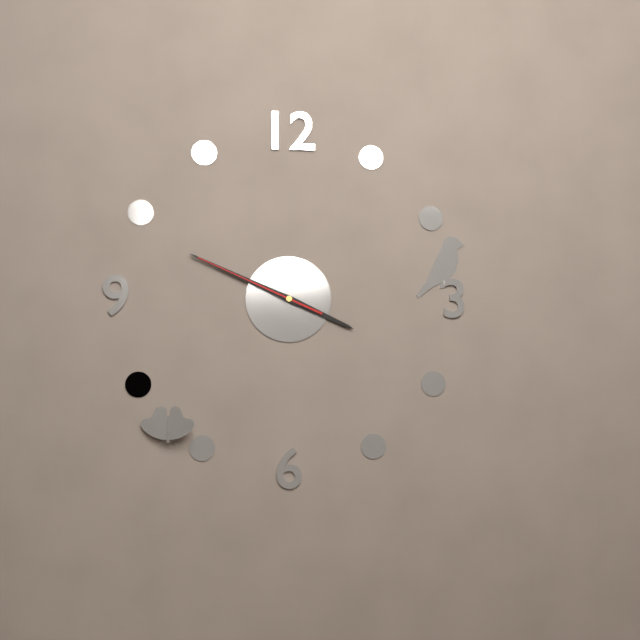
3:49:49
